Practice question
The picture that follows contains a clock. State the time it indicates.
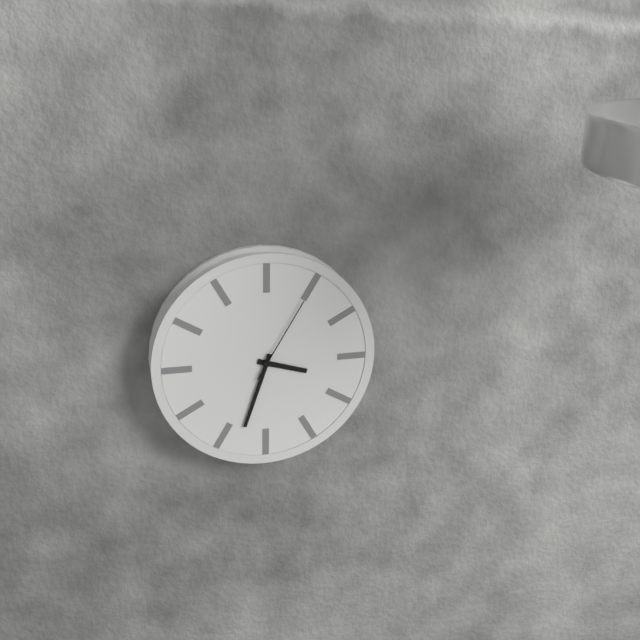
3:33:05
